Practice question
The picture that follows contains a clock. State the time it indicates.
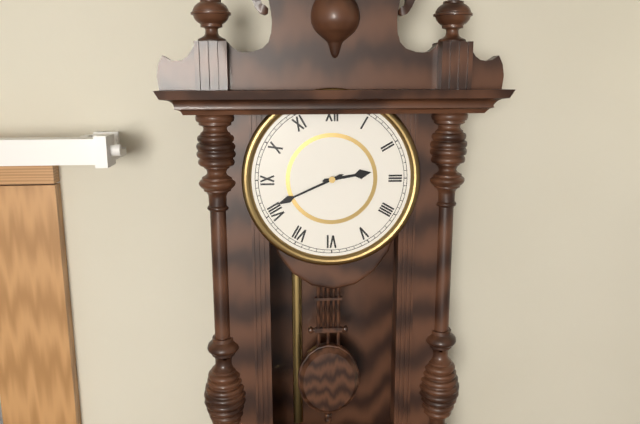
2:41
